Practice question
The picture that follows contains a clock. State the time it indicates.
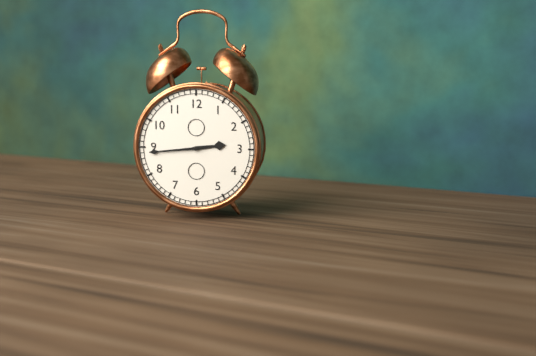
2:44
